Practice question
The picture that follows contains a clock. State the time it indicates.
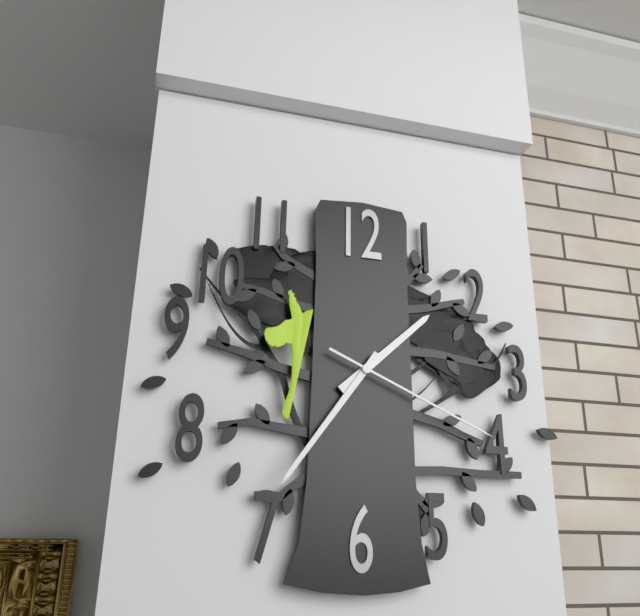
1:36:19
